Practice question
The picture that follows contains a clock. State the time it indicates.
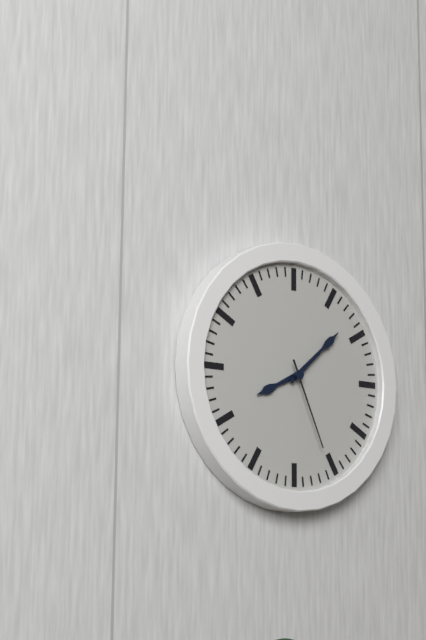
8:08:26
